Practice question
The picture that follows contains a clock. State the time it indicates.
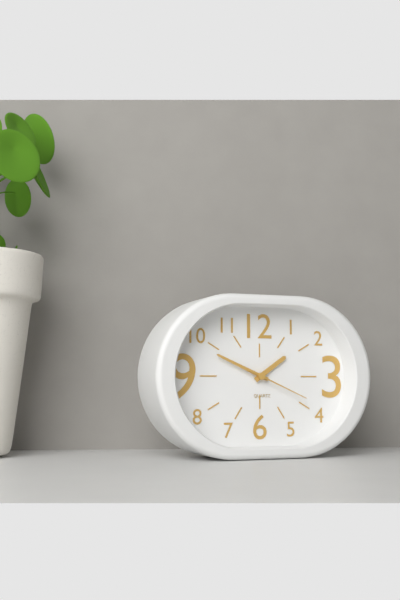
1:49:19
